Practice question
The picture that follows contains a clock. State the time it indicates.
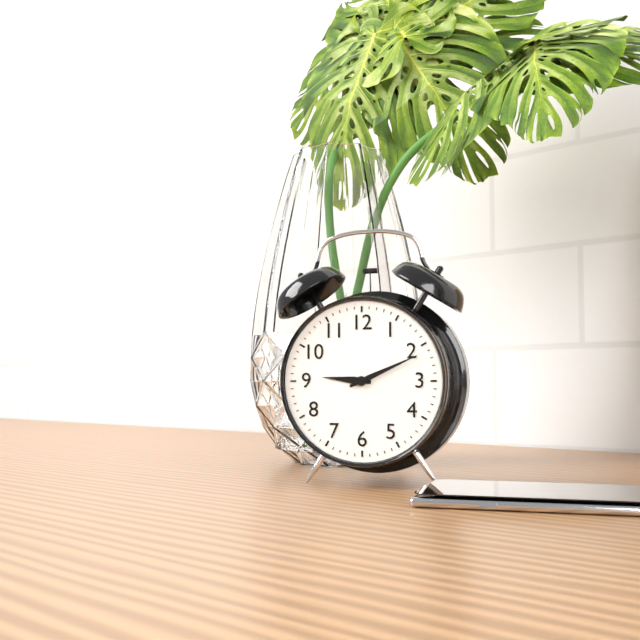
9:11
